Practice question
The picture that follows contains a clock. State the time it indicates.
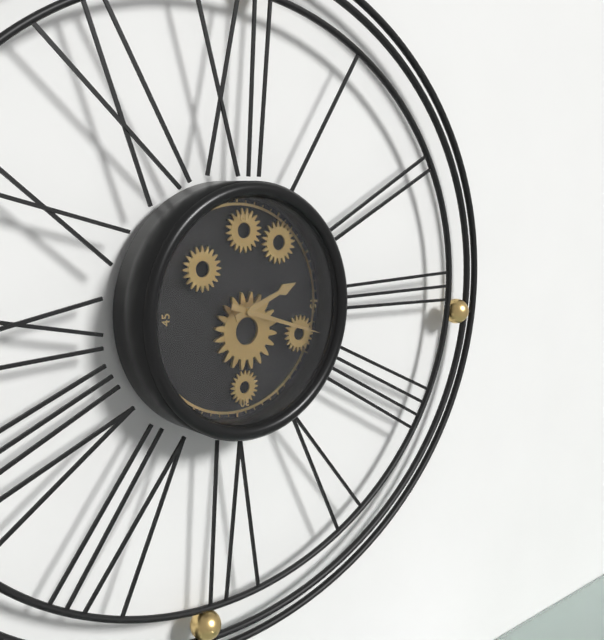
2:18
